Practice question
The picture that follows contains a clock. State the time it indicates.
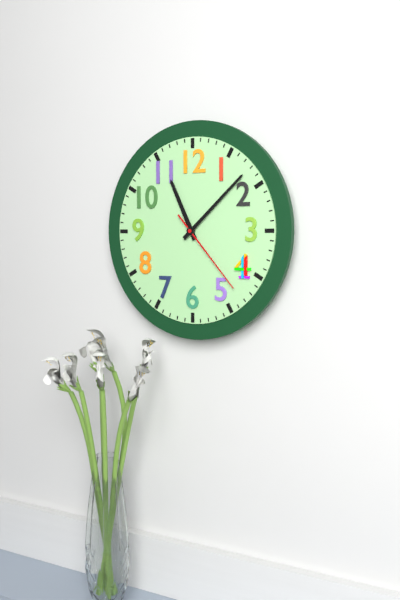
11:08:23
